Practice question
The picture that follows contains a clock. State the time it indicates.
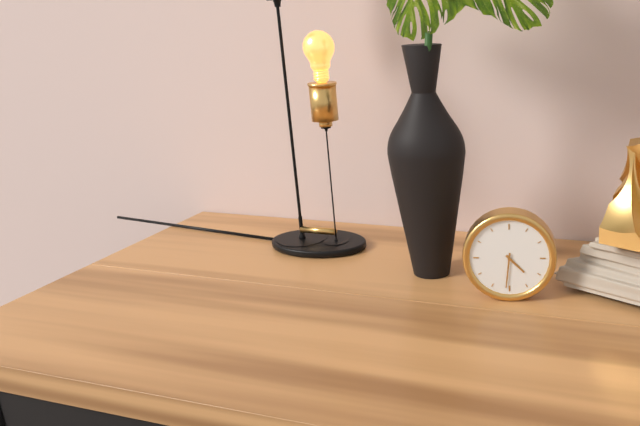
4:31
